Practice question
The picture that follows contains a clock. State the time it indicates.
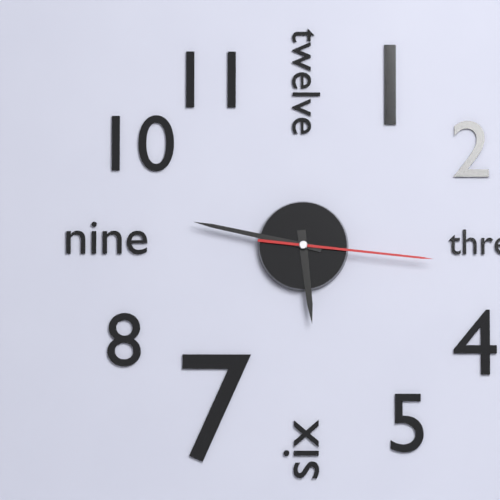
5:47:16
